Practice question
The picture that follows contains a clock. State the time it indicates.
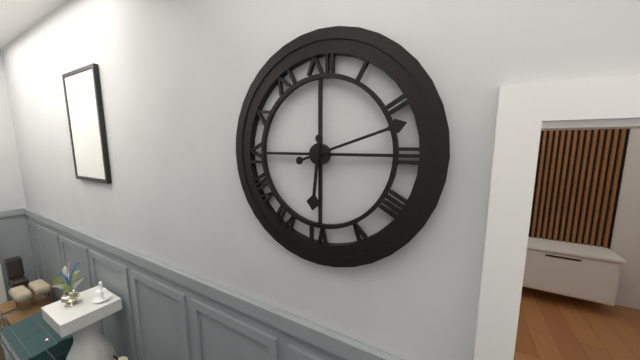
6:12
